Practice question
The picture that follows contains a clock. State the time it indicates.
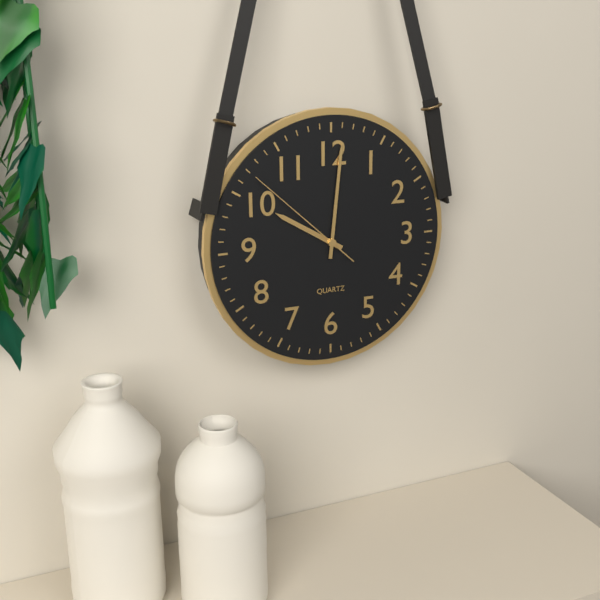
10:01:52
